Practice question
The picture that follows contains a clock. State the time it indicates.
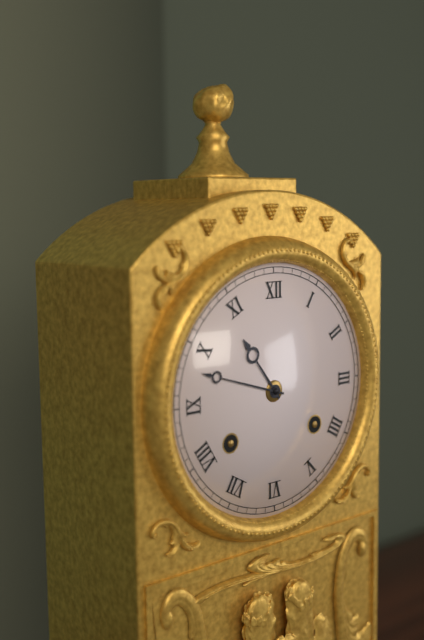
10:48
